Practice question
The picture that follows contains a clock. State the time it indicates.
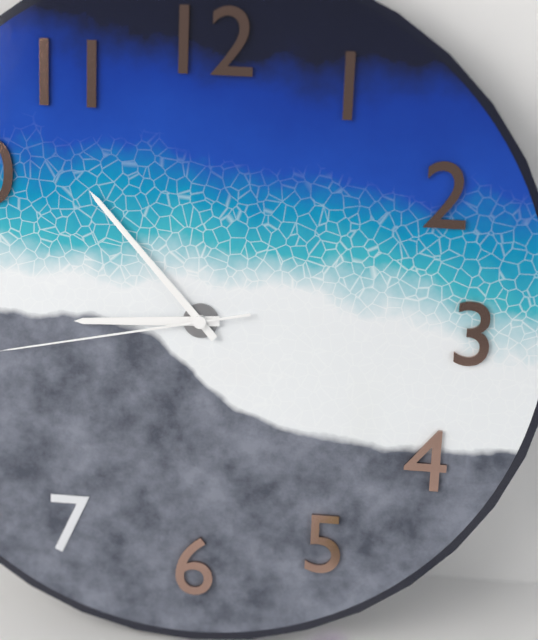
8:53
